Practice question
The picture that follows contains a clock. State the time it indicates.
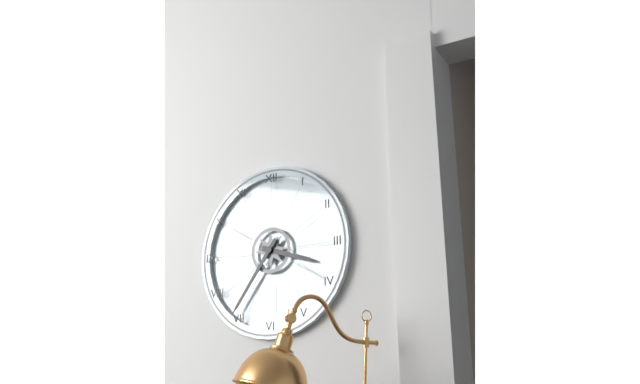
3:36
